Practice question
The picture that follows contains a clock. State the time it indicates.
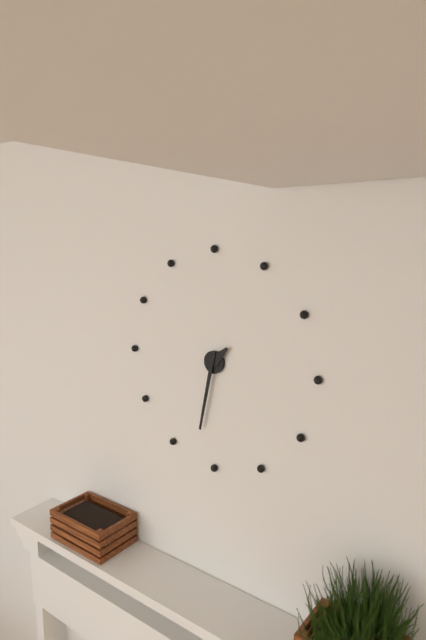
1:32
